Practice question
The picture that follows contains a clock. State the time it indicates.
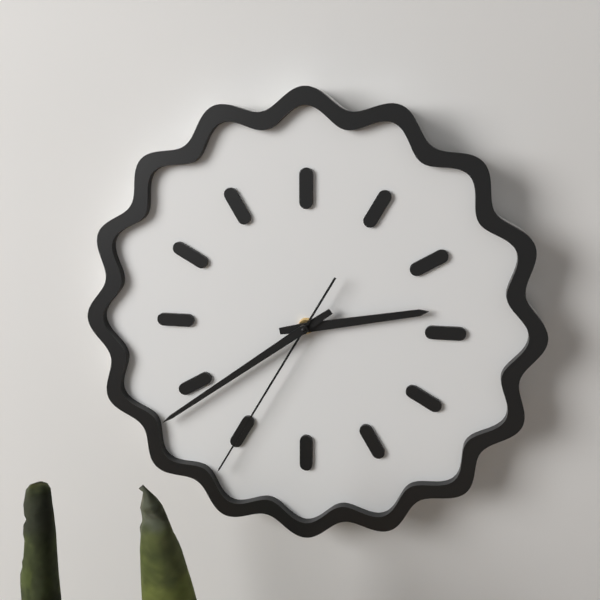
2:39:35
